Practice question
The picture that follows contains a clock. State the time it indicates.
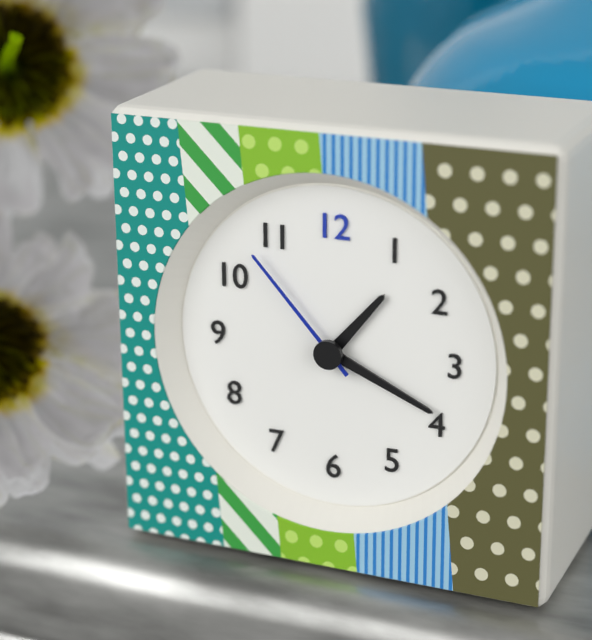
1:19:53
